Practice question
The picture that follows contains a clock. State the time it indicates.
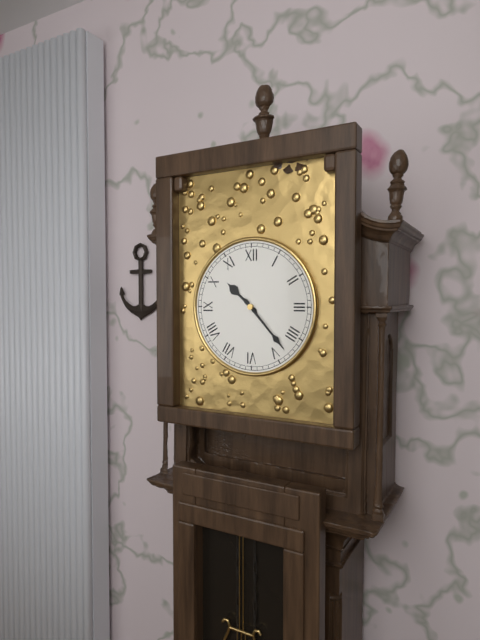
10:23
